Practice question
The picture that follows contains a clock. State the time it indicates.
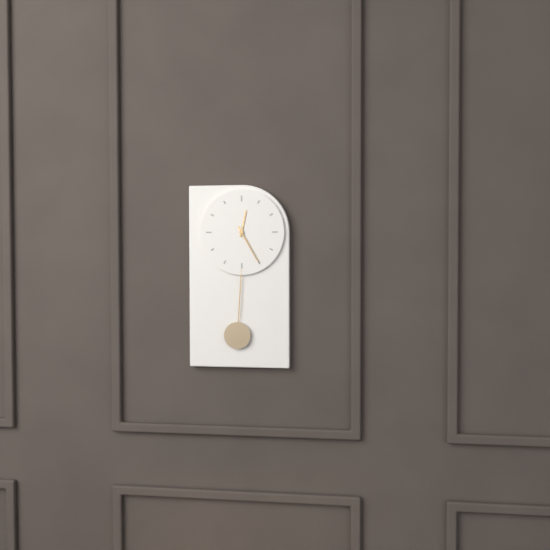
12:25
